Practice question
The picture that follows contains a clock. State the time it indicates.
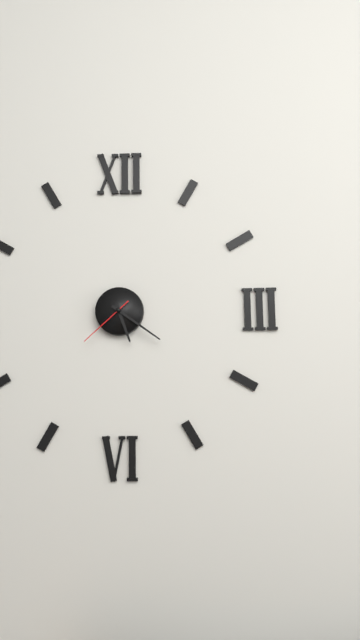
5:21:38
